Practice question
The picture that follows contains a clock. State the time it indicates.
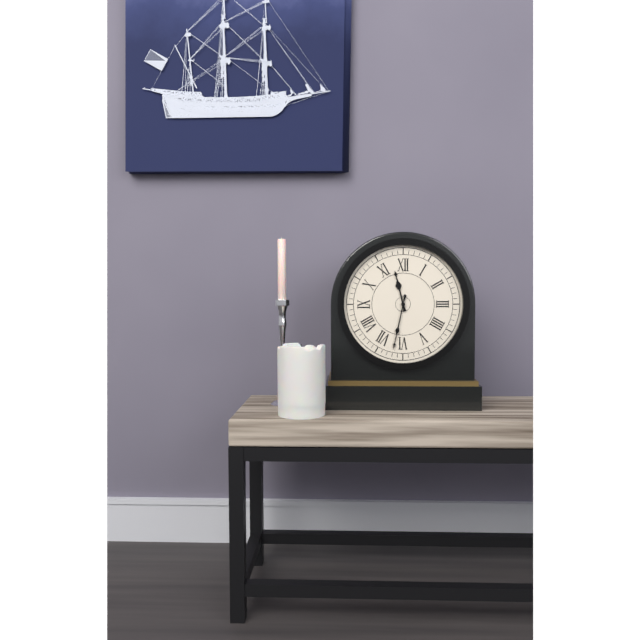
11:32
